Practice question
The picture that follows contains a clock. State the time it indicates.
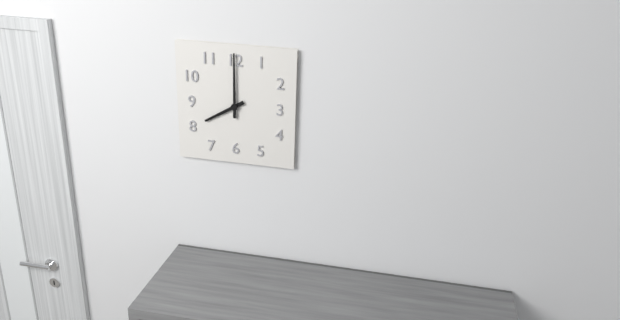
8:00
